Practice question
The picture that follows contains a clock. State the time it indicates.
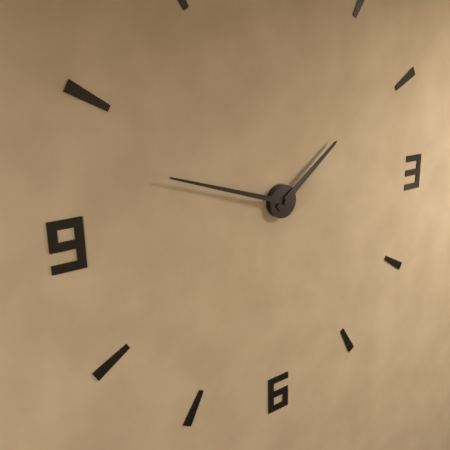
1:48
